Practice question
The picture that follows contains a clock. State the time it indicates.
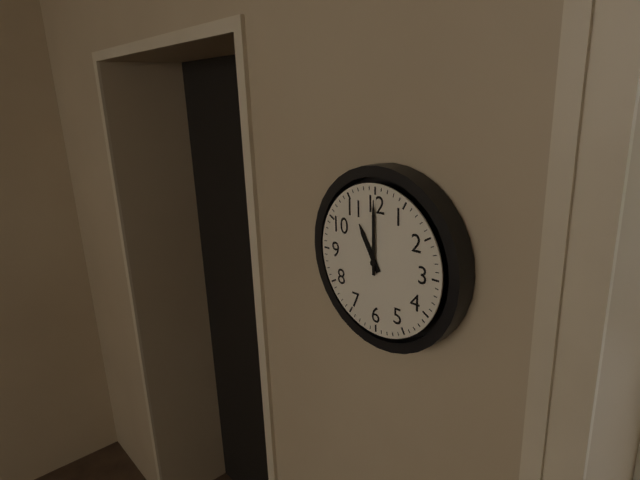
11:00
